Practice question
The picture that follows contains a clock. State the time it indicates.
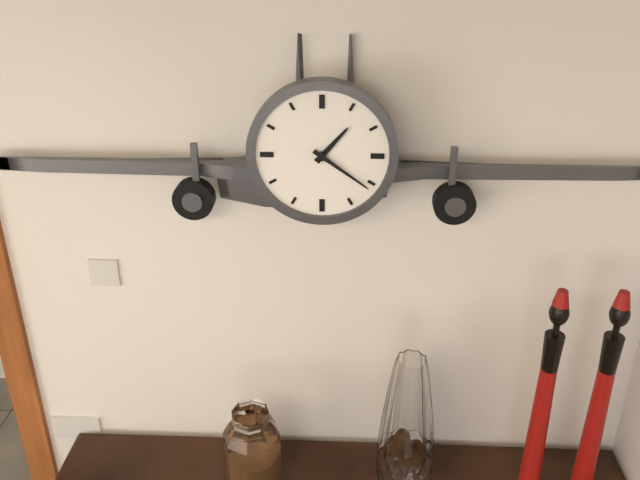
1:21
